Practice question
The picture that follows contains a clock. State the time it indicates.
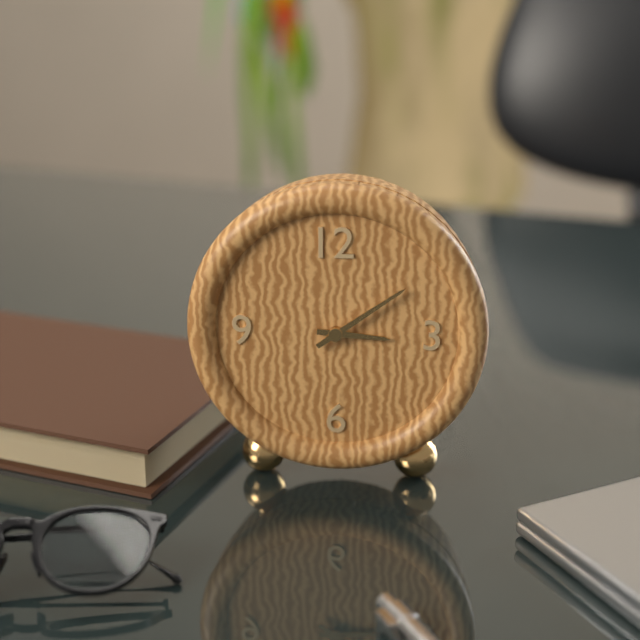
3:09
